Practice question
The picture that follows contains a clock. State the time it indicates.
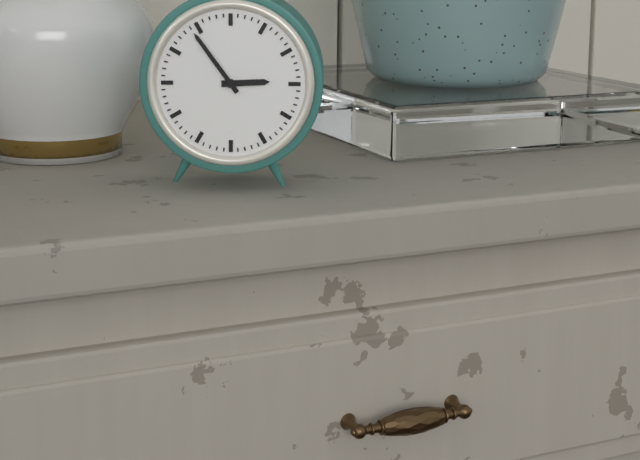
2:54
